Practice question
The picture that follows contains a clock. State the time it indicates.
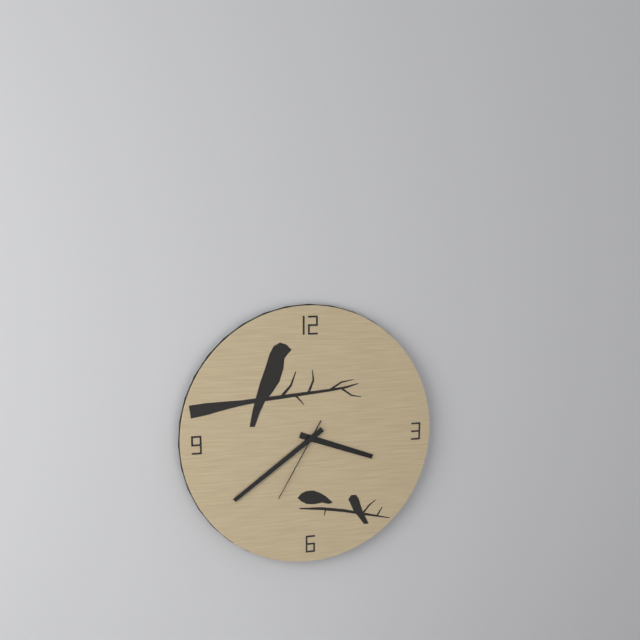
3:39:35
